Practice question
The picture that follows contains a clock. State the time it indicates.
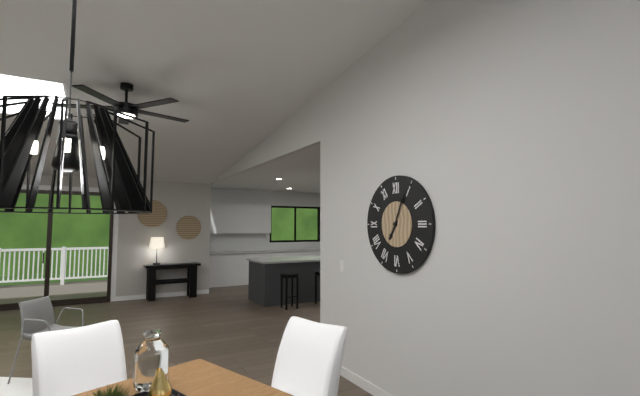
7:04
